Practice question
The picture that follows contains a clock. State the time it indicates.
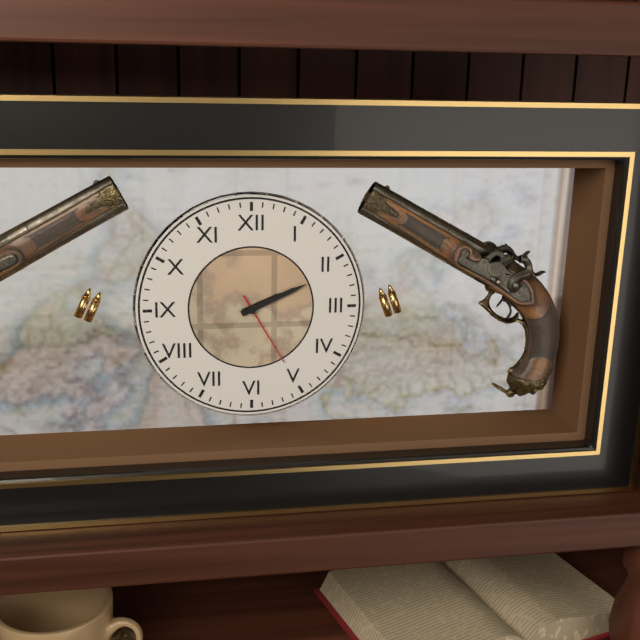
2:11:25
